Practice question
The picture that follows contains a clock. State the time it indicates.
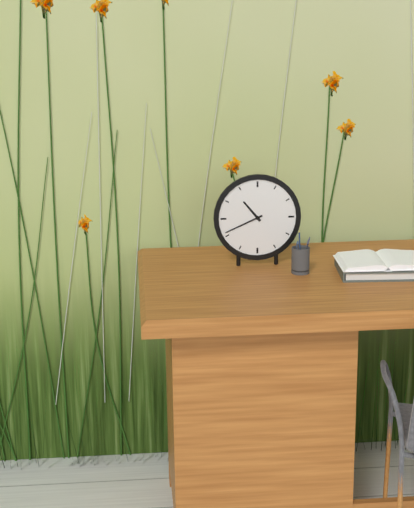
10:41
